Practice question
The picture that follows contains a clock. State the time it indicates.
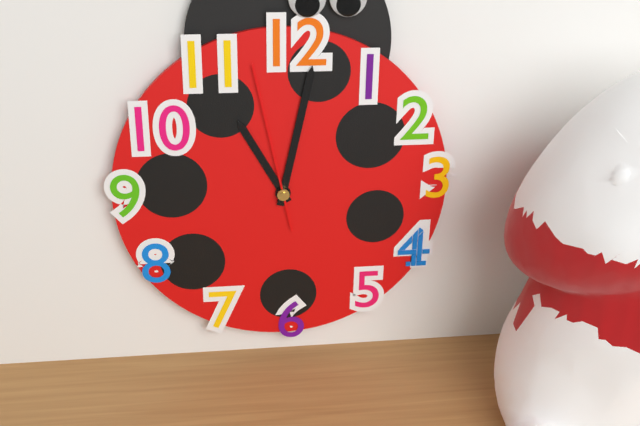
11:02:58
